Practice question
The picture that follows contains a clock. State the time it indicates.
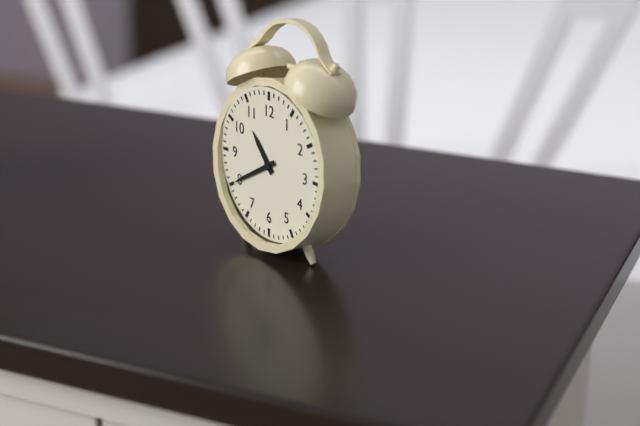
10:40
